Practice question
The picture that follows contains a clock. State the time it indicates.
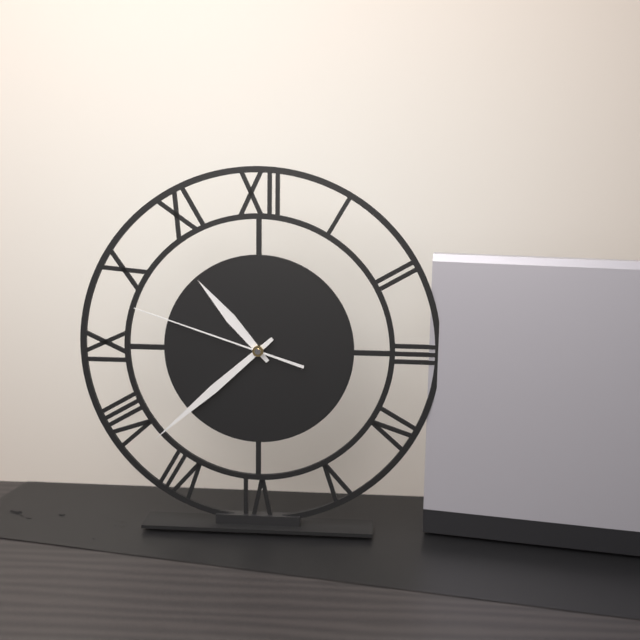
10:38:48
